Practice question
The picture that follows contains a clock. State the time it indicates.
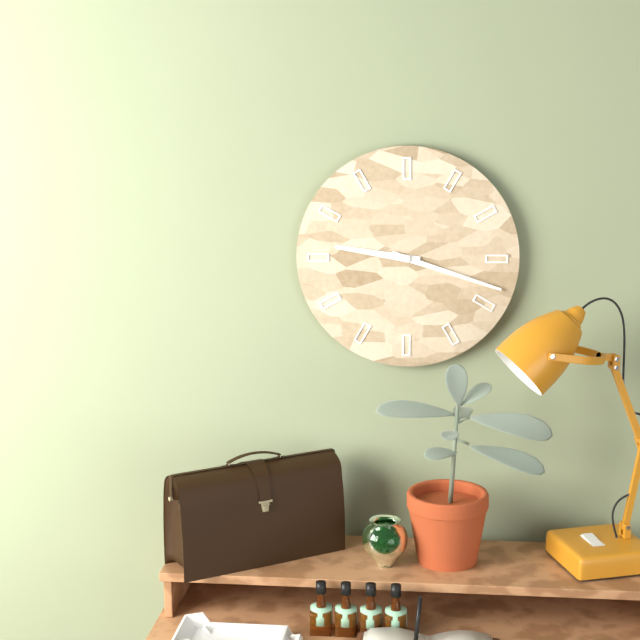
9:18
